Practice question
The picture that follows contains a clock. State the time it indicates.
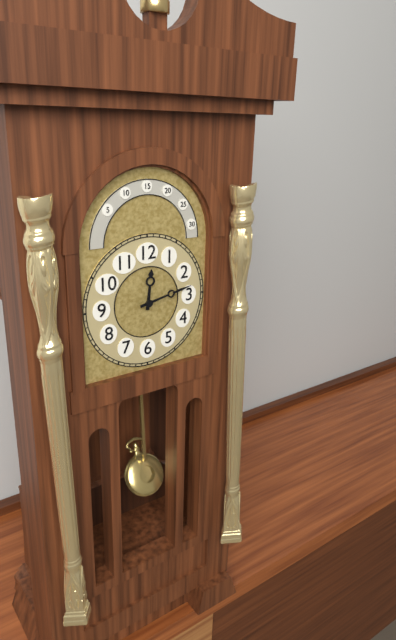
12:13
